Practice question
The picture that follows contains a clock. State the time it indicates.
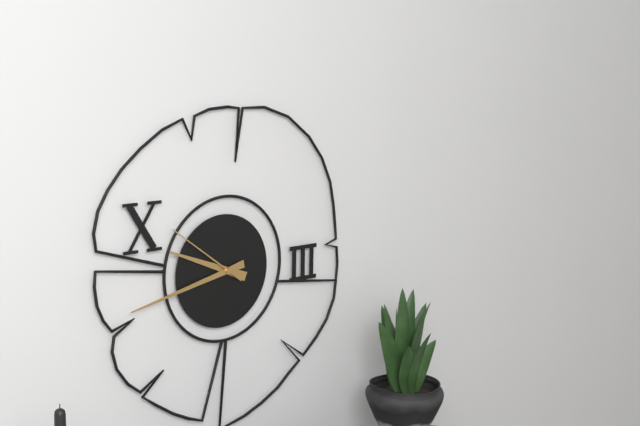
9:43:51
